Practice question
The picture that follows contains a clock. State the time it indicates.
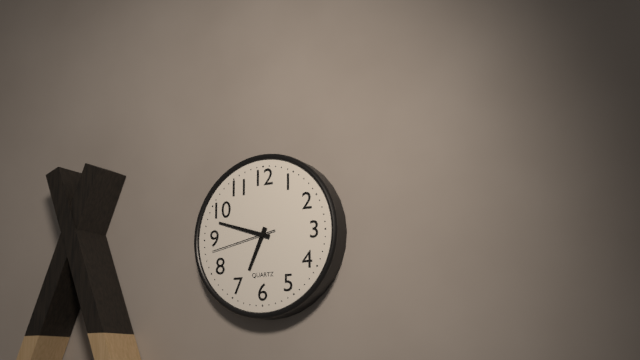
6:48:43
